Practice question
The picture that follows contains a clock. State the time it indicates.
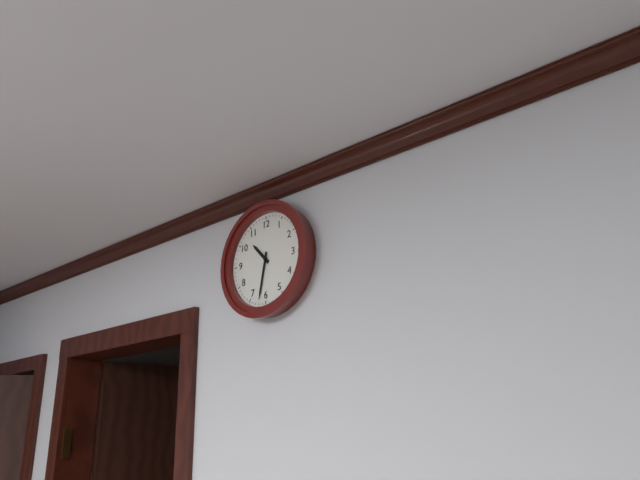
10:32
